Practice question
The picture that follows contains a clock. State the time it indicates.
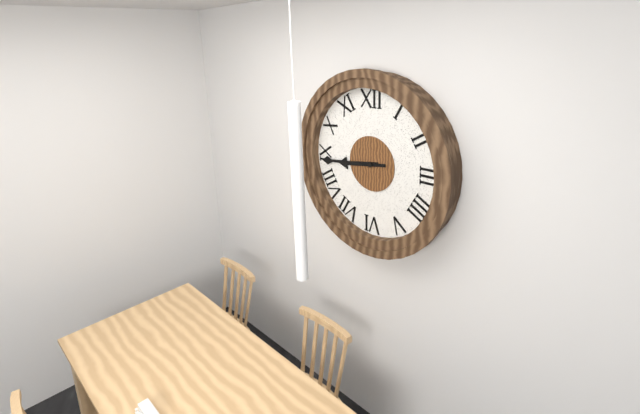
8:44
